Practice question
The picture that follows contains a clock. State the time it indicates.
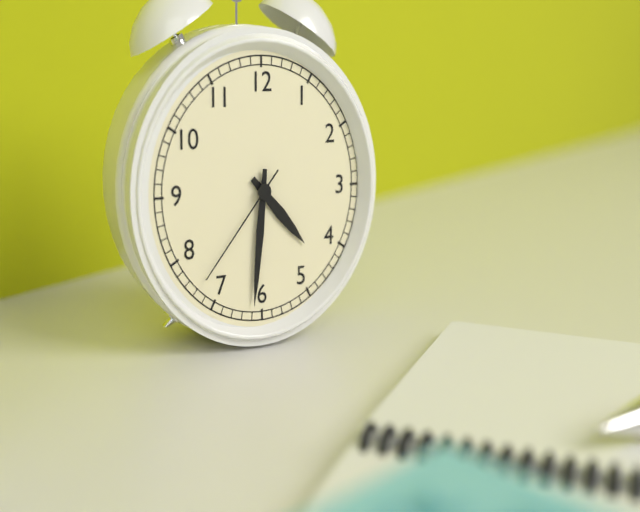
4:31:37
